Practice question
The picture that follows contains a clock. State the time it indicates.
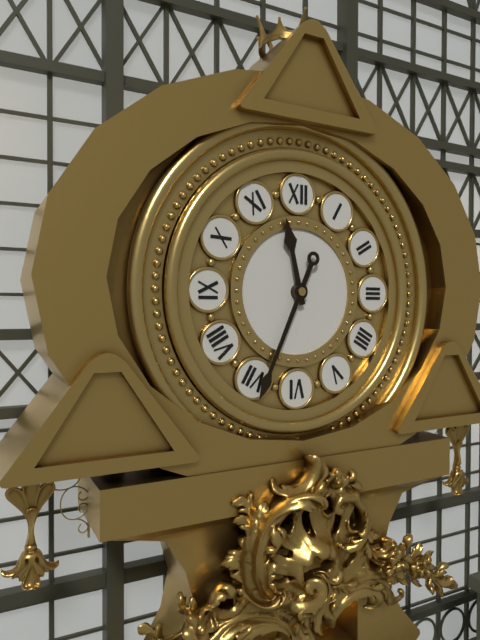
11:34
